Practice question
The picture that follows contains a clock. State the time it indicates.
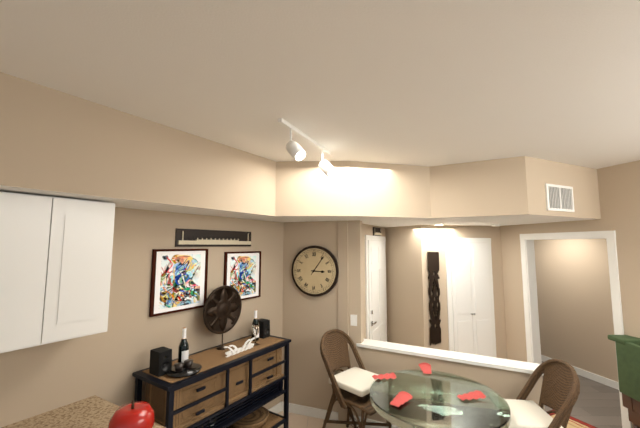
3:06
